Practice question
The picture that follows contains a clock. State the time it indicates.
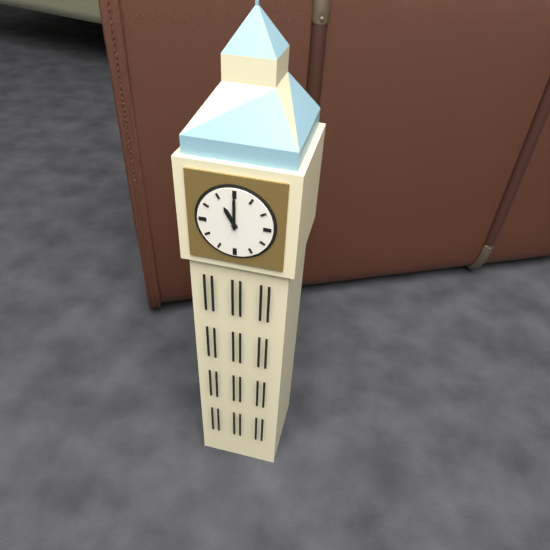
11:00
